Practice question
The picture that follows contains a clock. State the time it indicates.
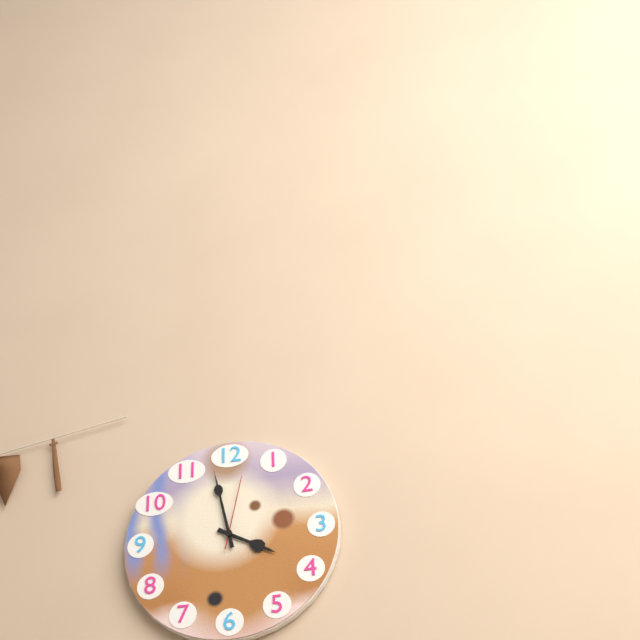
3:58:02
